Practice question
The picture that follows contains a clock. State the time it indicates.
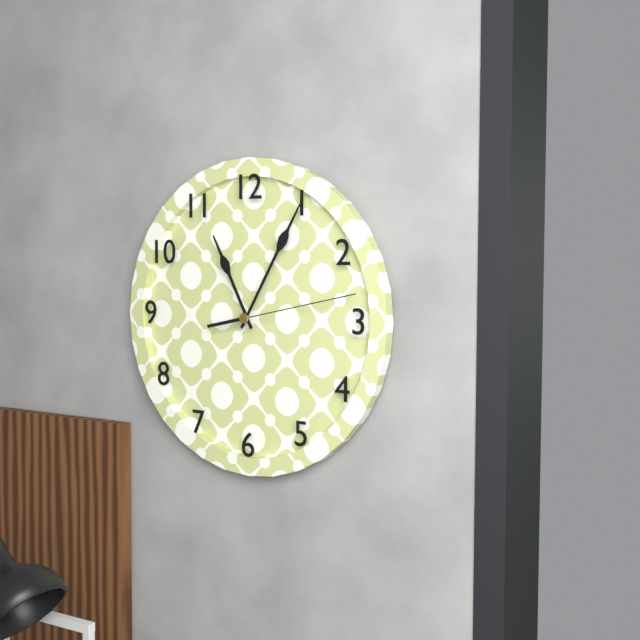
11:05:13
